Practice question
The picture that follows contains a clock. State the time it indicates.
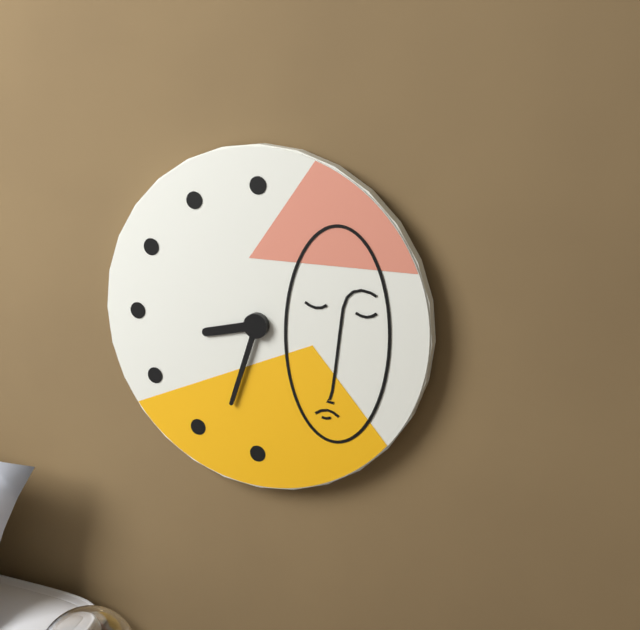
8:33
